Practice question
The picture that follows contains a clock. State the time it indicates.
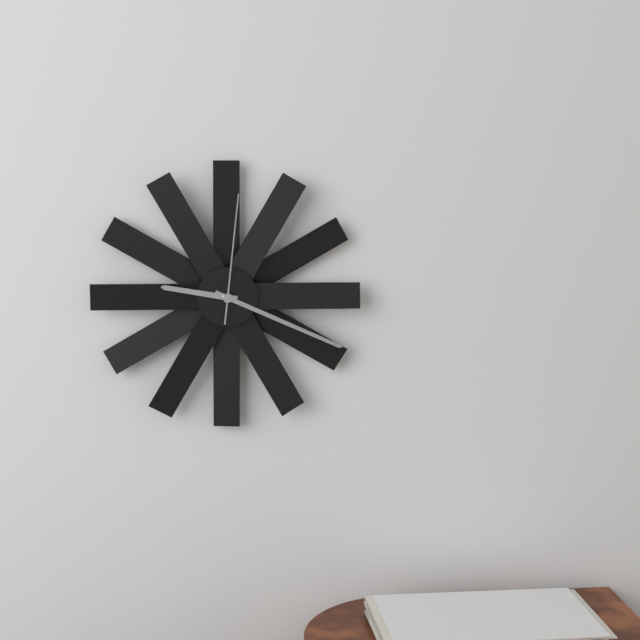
9:19:01
